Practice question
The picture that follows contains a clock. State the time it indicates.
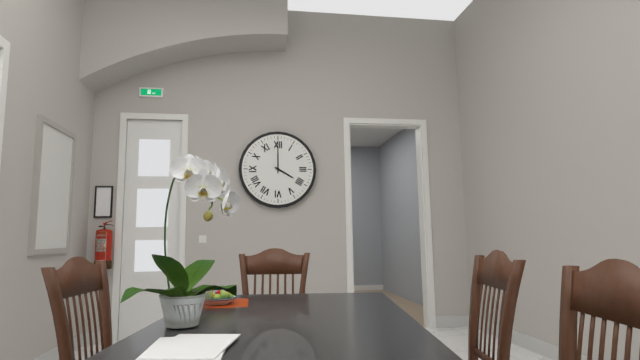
4:00
